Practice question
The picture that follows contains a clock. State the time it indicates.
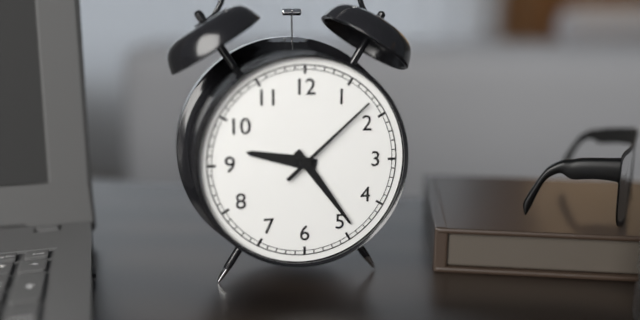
9:24:08
